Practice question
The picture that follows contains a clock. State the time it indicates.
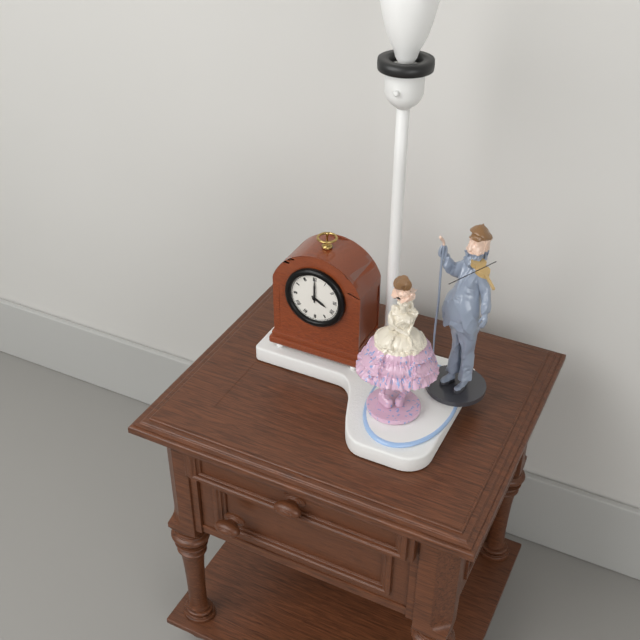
4:00
